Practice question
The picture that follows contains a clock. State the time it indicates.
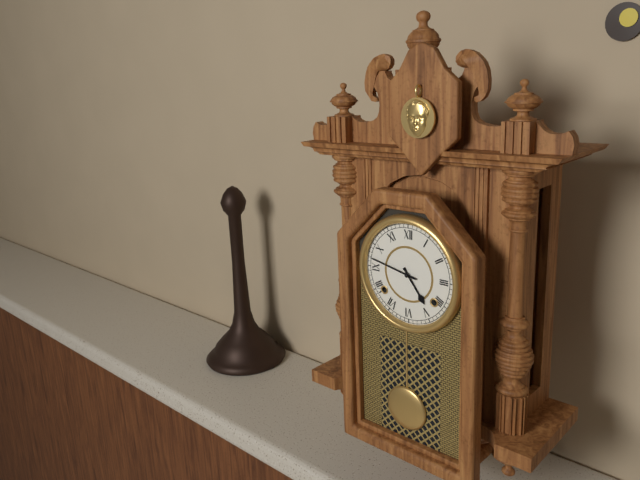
4:47
